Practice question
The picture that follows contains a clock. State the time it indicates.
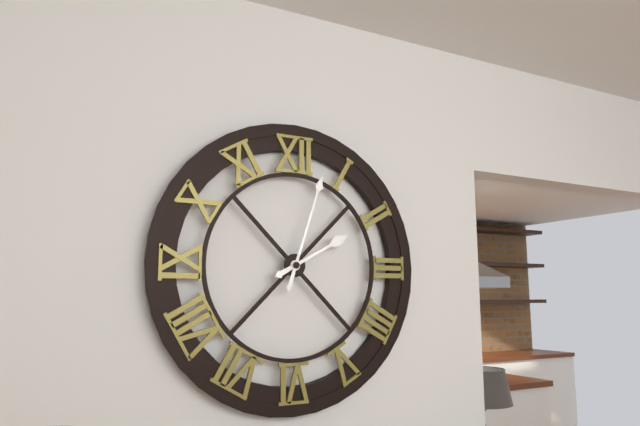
2:03
